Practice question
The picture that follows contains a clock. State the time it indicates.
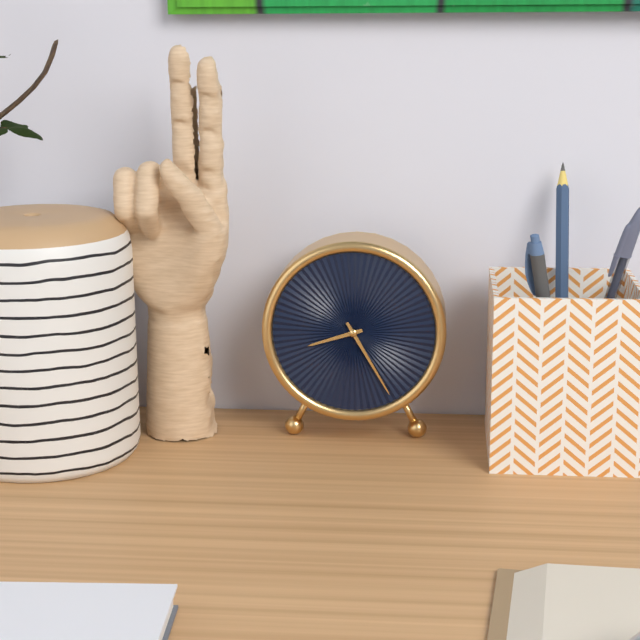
8:25
